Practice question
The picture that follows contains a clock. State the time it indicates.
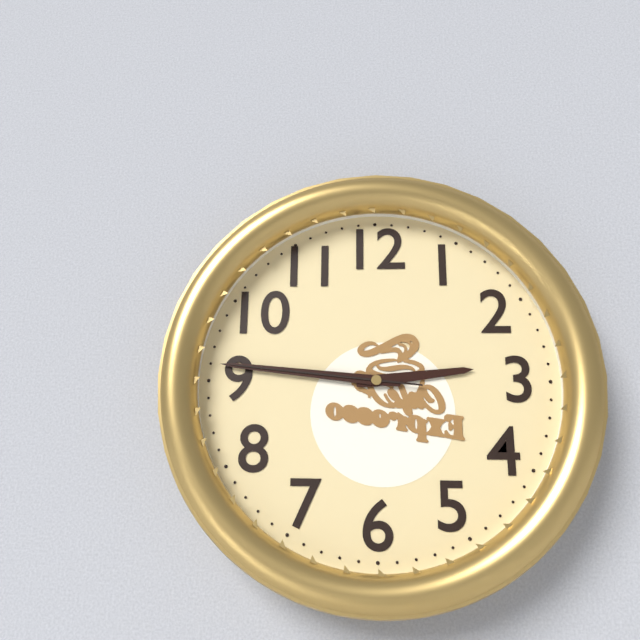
2:46:46
